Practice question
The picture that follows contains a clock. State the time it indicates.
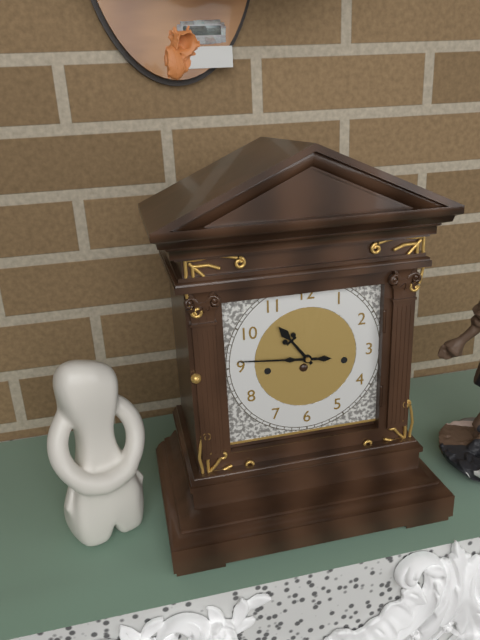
10:46
